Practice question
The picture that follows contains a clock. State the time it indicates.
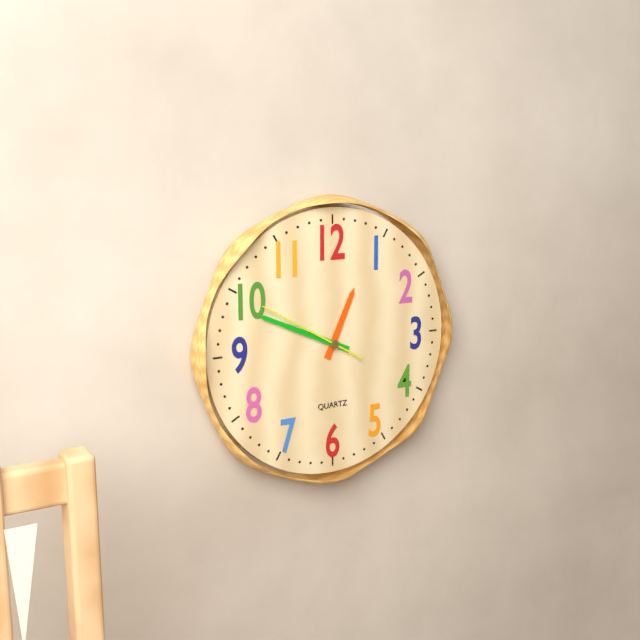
12:49:50
